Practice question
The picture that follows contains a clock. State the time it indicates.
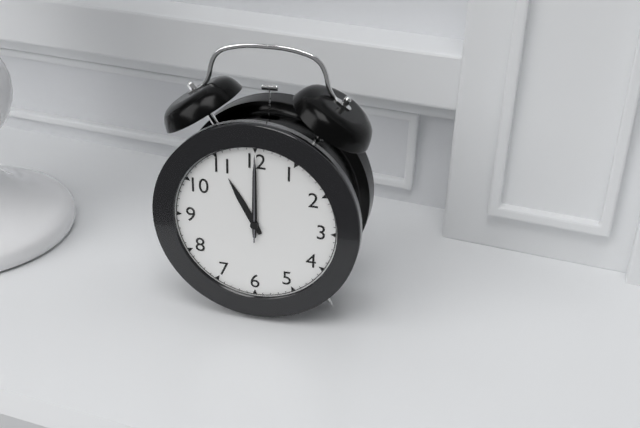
11:00:00
